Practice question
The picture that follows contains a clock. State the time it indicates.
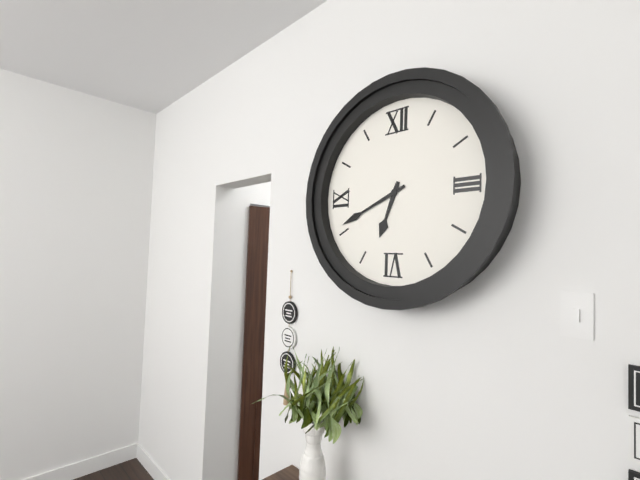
6:41
